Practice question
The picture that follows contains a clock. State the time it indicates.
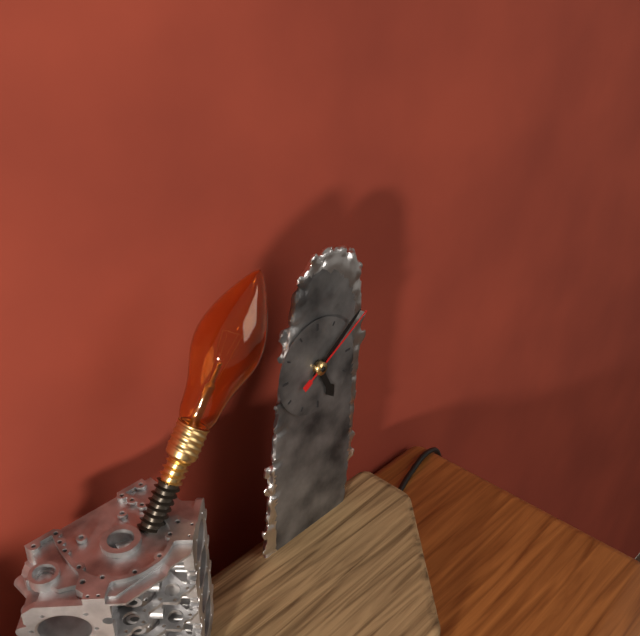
5:09:10
